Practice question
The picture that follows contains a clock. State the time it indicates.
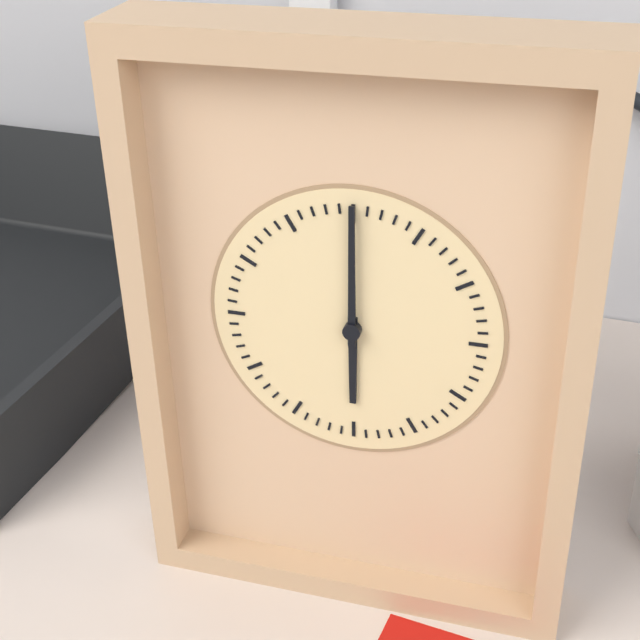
6:00
